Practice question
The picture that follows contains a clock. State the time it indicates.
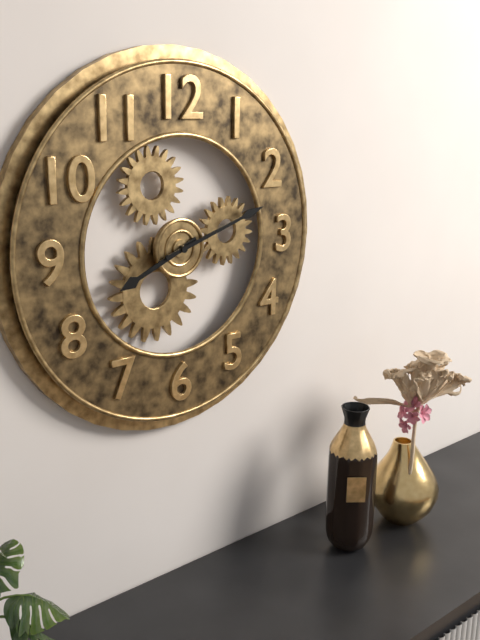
8:12
